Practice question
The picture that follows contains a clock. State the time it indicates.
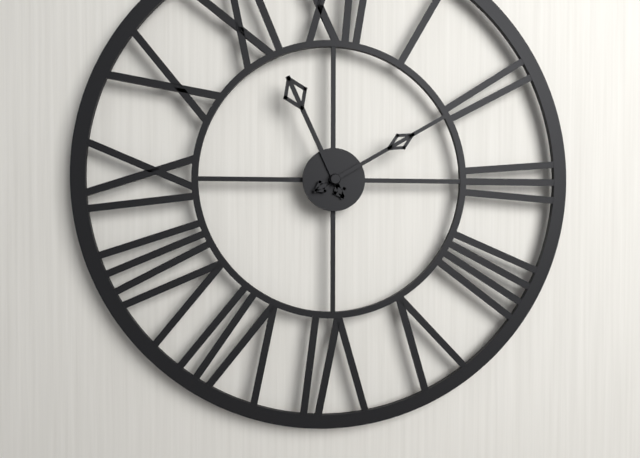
11:10
